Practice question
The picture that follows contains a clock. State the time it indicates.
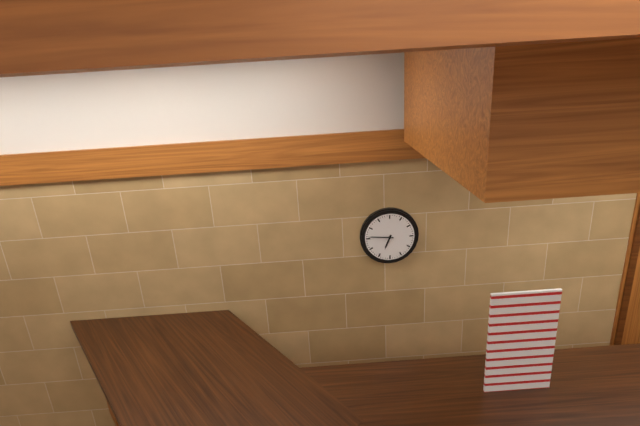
6:46
